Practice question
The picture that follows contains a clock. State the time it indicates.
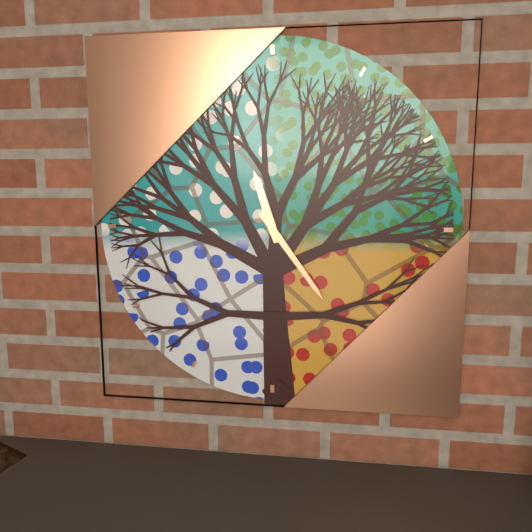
11:24
